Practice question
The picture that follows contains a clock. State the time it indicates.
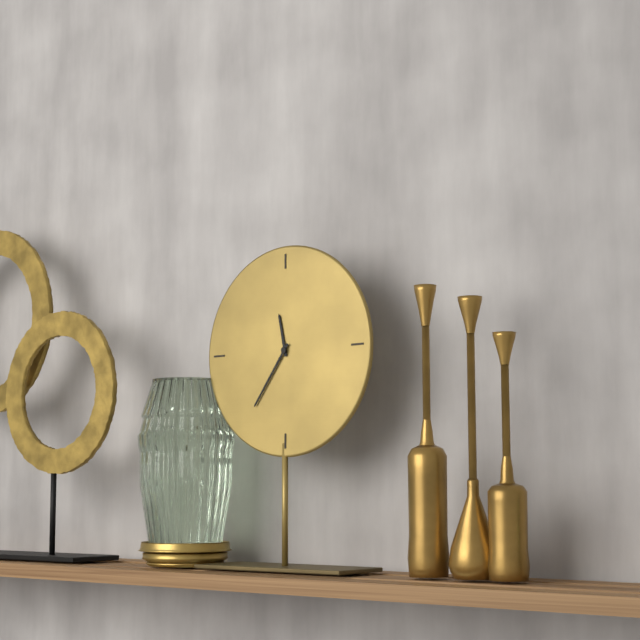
11:36
